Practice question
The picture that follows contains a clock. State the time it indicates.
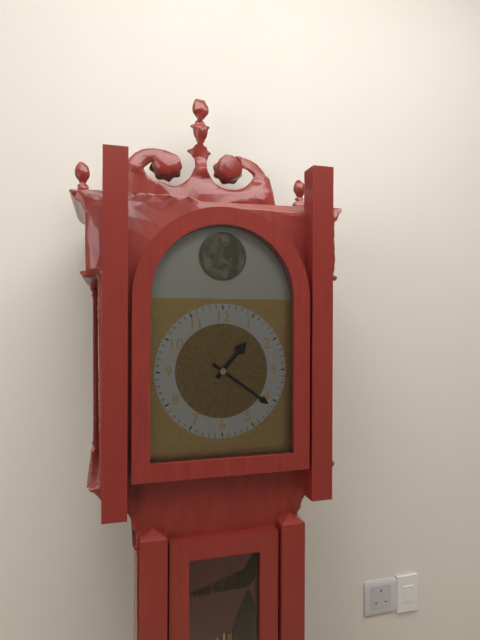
1:21
